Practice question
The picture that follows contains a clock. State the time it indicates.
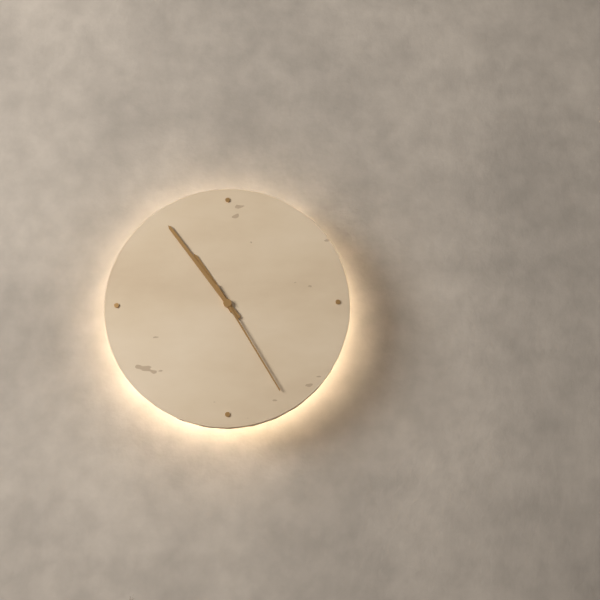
10:54:25
